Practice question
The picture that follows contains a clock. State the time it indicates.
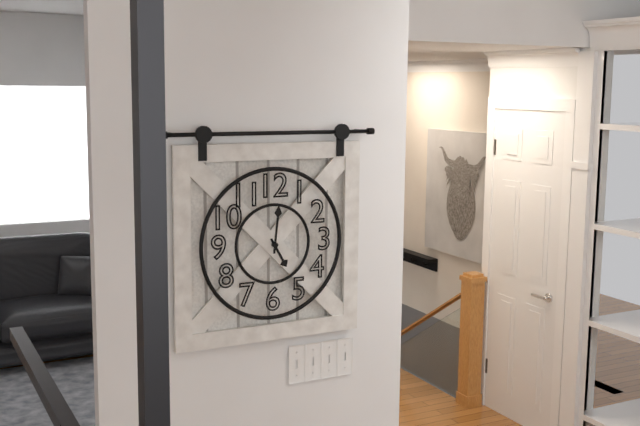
5:01
